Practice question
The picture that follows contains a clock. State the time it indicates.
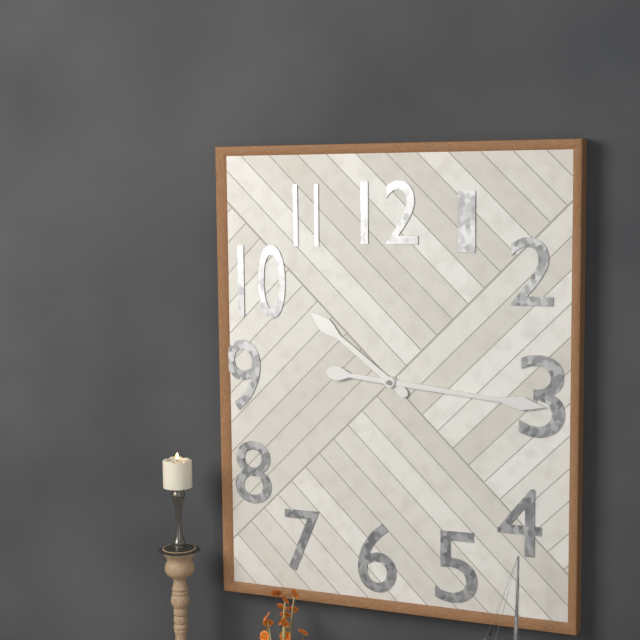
10:16
